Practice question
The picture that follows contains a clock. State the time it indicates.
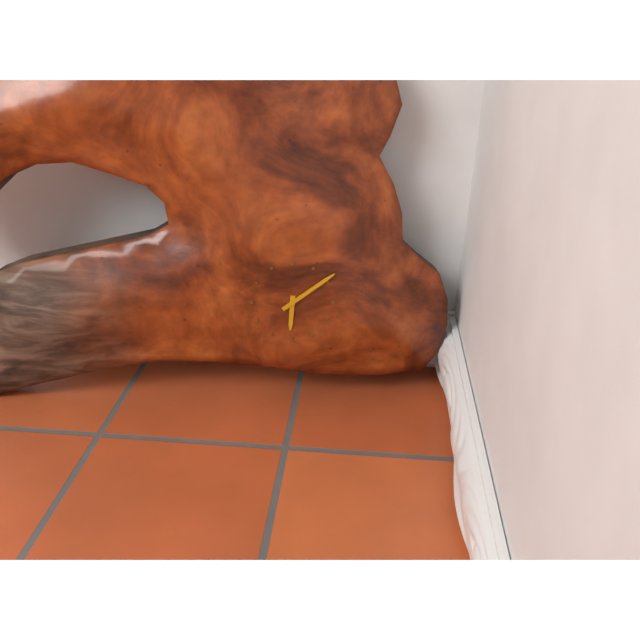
6:09
